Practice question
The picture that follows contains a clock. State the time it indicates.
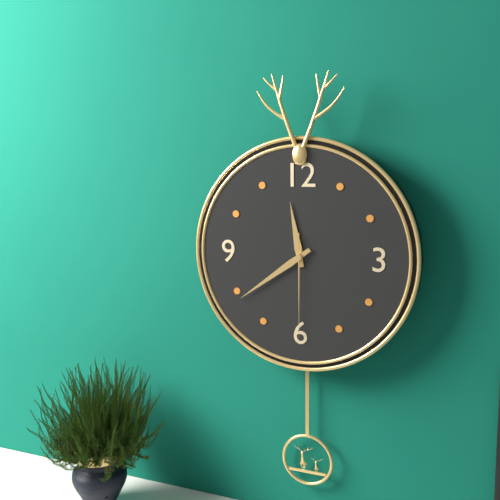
11:39:30
